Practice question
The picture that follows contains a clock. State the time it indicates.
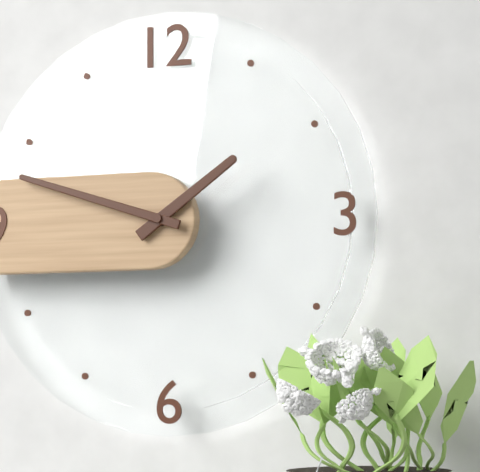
1:48
